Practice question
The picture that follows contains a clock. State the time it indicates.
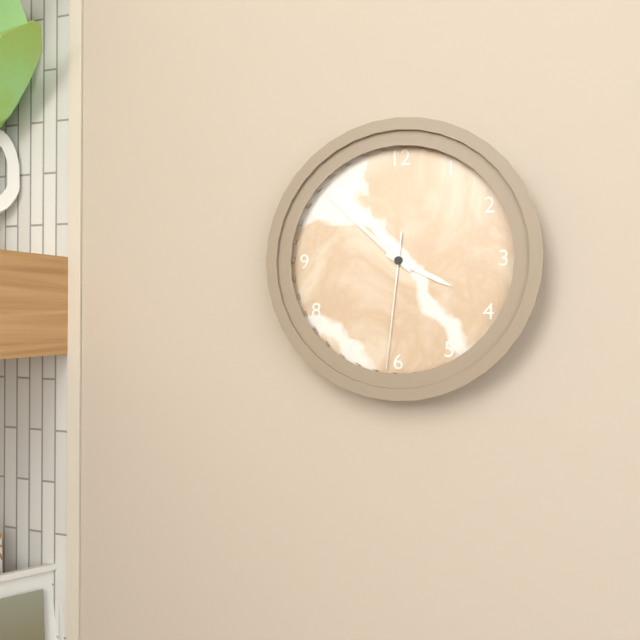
3:52:31
